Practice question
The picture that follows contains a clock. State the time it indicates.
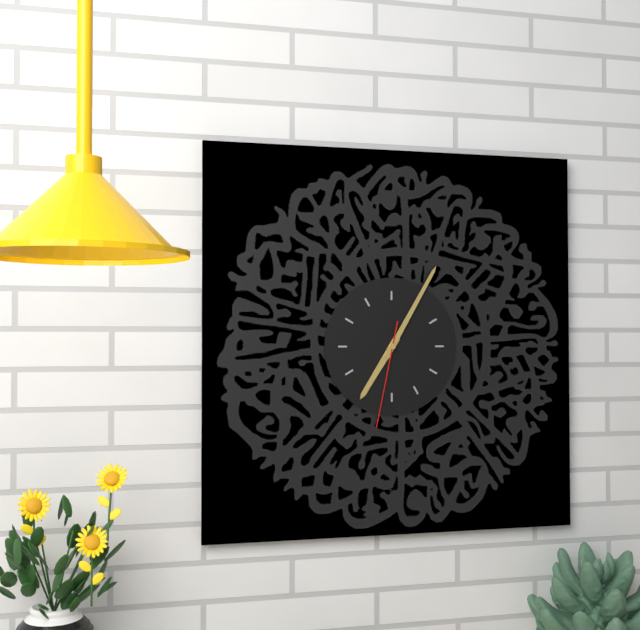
7:05:32
